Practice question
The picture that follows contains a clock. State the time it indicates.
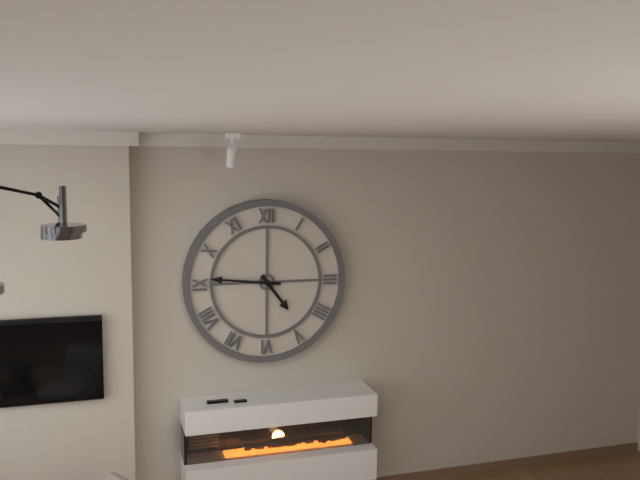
4:46
